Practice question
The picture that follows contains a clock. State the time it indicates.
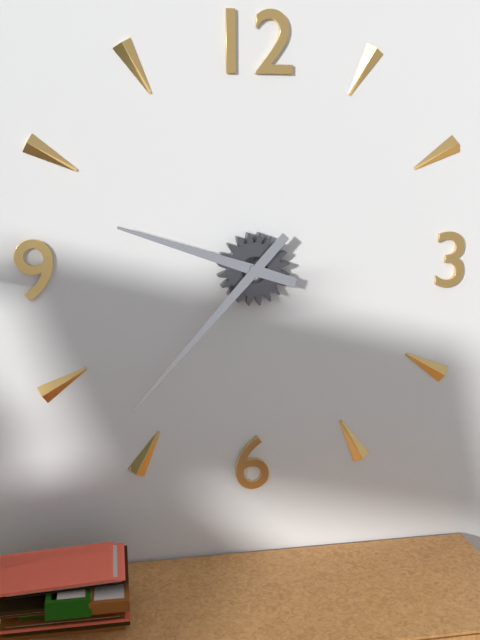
9:37
